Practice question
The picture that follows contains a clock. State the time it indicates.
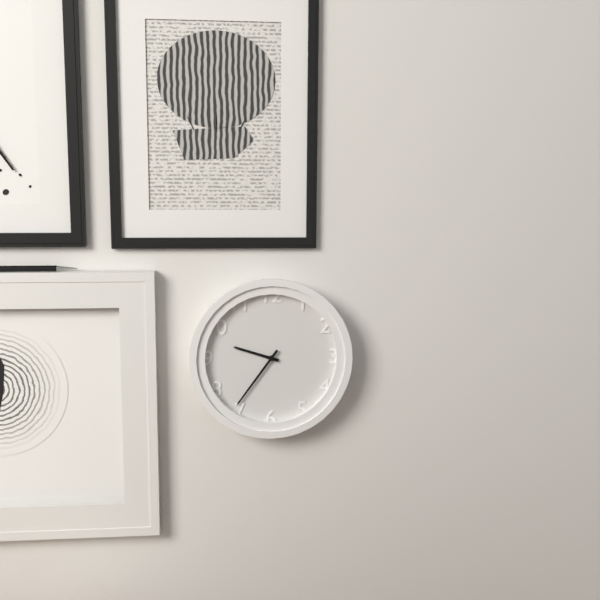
9:36
